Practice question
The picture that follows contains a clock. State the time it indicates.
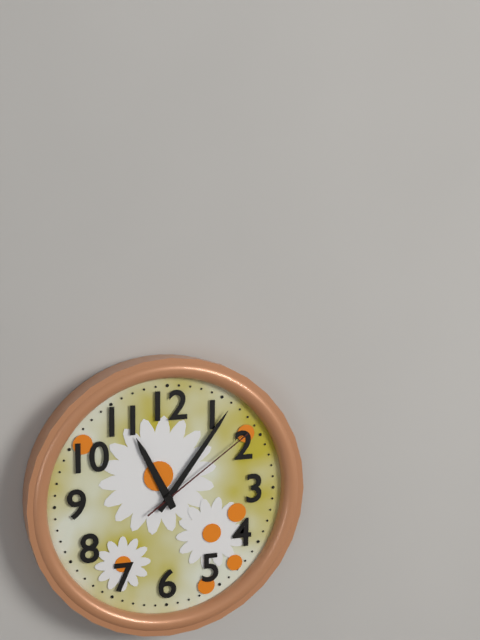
11:06:09
